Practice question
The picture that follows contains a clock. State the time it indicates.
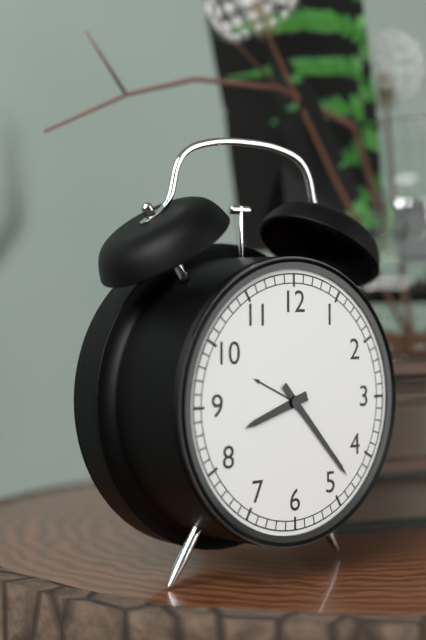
8:23
